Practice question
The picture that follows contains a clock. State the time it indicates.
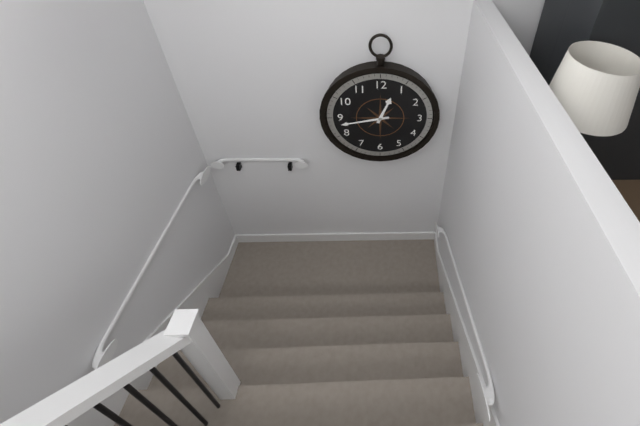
12:43
